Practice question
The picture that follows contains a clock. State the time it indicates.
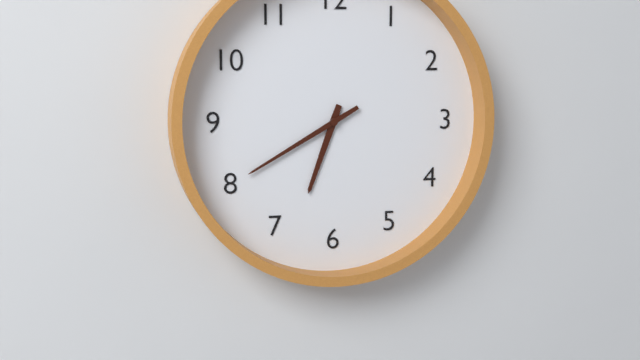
6:40
